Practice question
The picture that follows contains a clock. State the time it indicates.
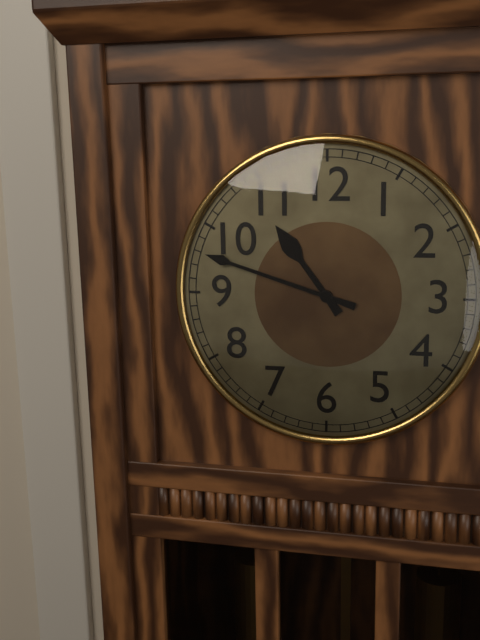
10:48
